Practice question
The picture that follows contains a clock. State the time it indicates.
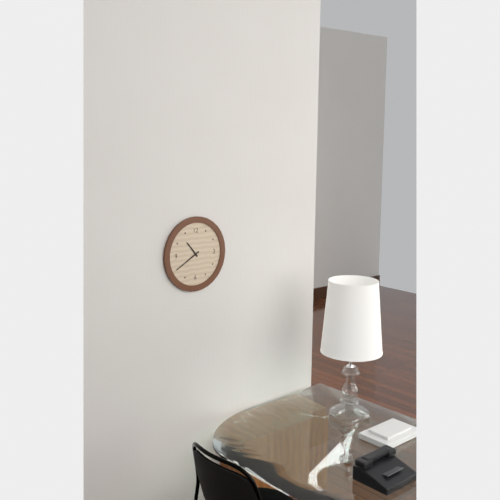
10:40
